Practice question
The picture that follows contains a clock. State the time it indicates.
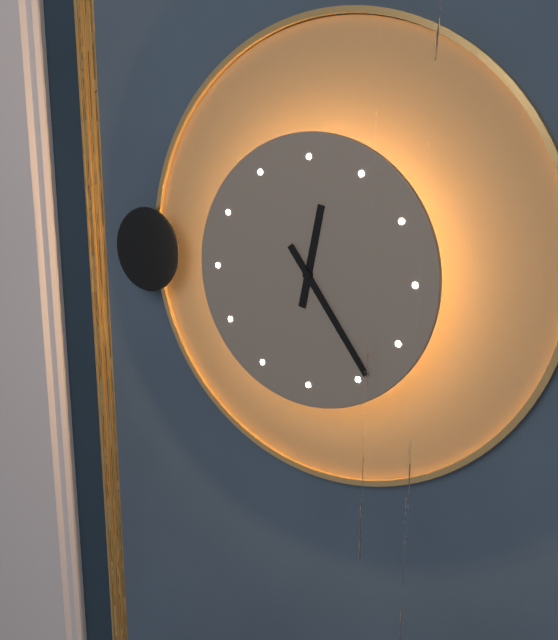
12:24
